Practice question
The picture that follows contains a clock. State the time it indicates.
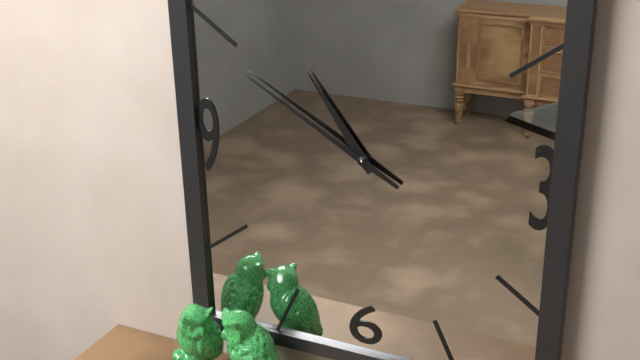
10:50
